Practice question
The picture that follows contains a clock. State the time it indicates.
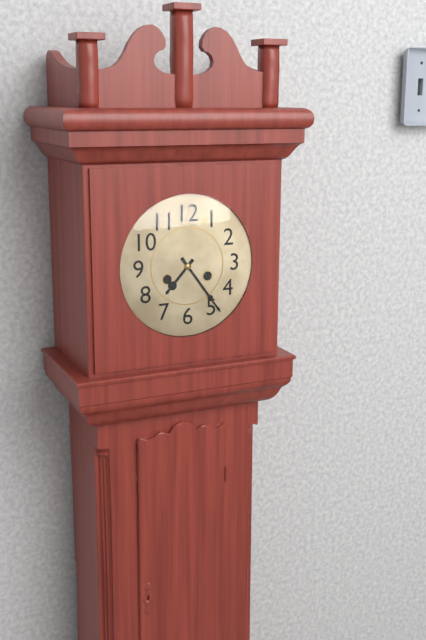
7:24
